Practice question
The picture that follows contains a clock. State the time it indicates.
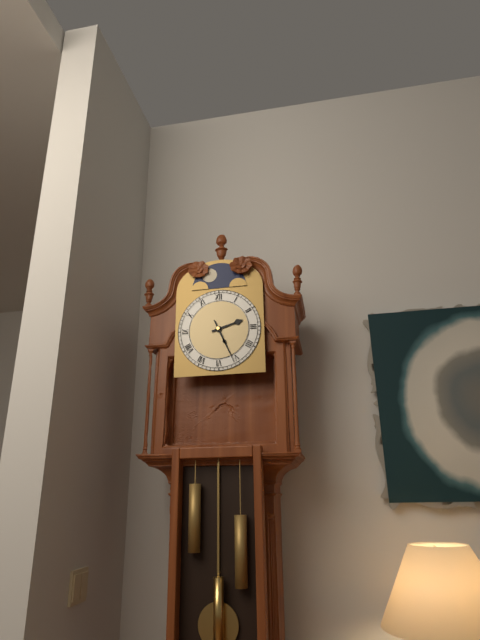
2:26
